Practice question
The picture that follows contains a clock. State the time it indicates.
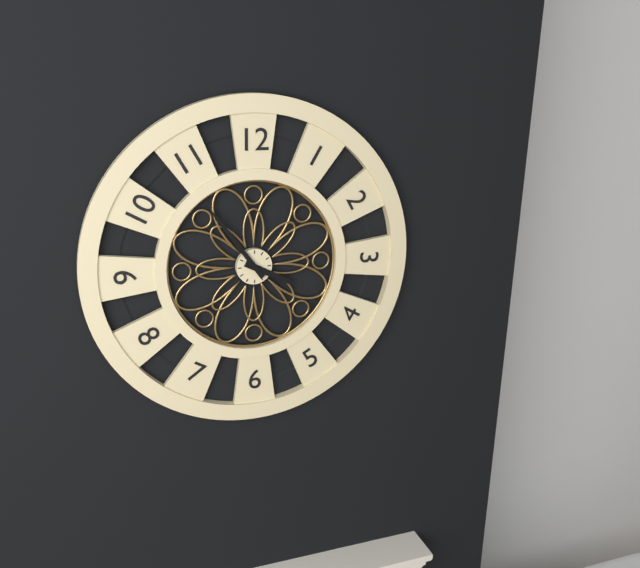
3:54
